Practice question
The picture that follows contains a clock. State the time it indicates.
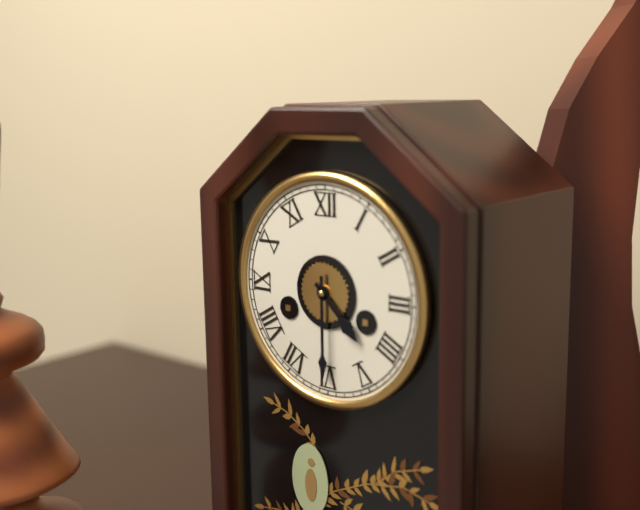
4:30
